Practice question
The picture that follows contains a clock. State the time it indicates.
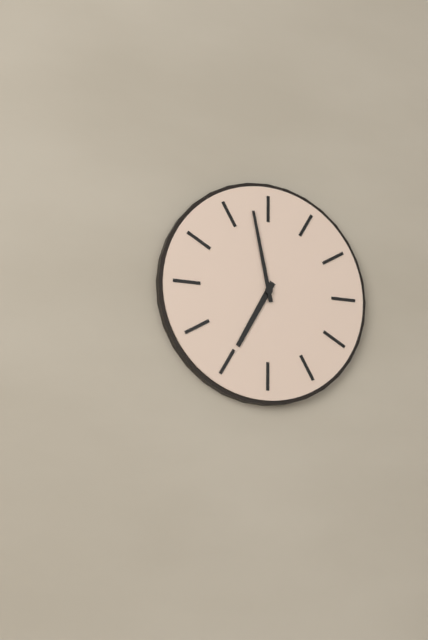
6:58
